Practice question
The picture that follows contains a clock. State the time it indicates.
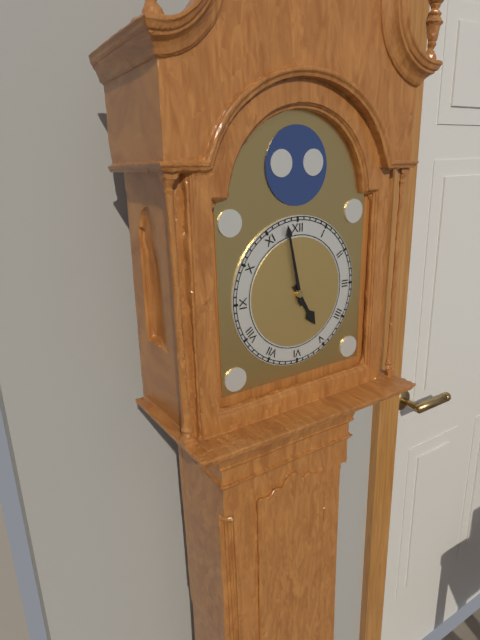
4:58
